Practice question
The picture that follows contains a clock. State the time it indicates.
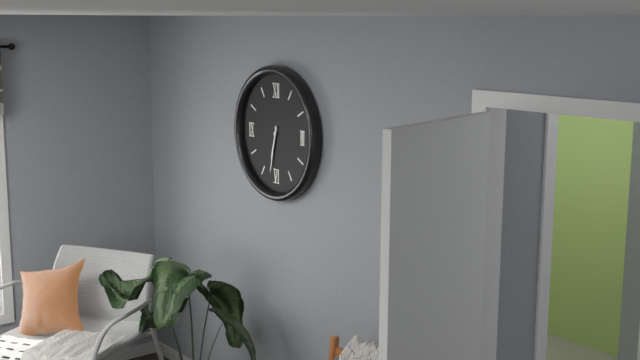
6:32
